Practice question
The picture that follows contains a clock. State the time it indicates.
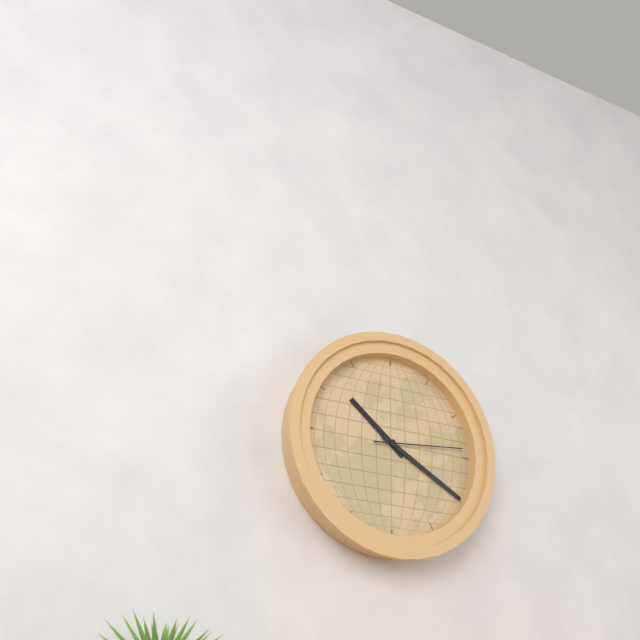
10:20:14
